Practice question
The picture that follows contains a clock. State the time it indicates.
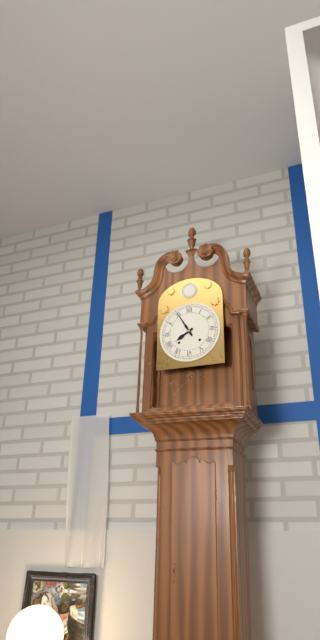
7:55
